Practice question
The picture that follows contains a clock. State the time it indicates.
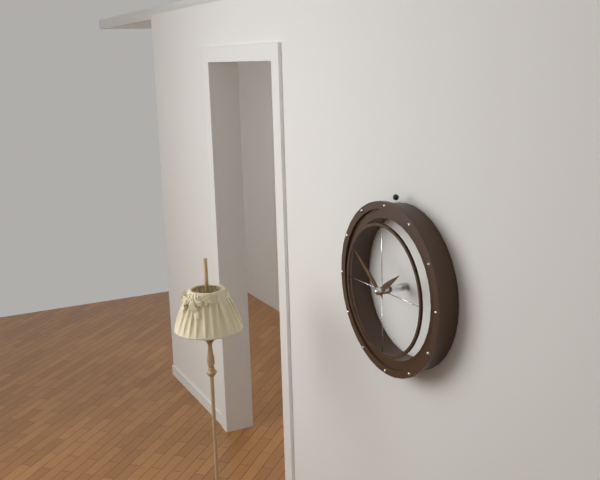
1:51
